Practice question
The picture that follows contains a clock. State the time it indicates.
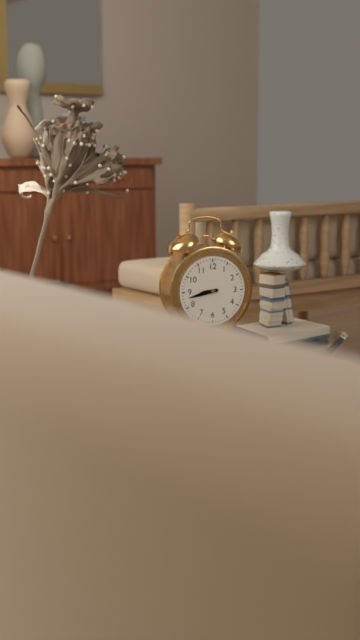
8:43
